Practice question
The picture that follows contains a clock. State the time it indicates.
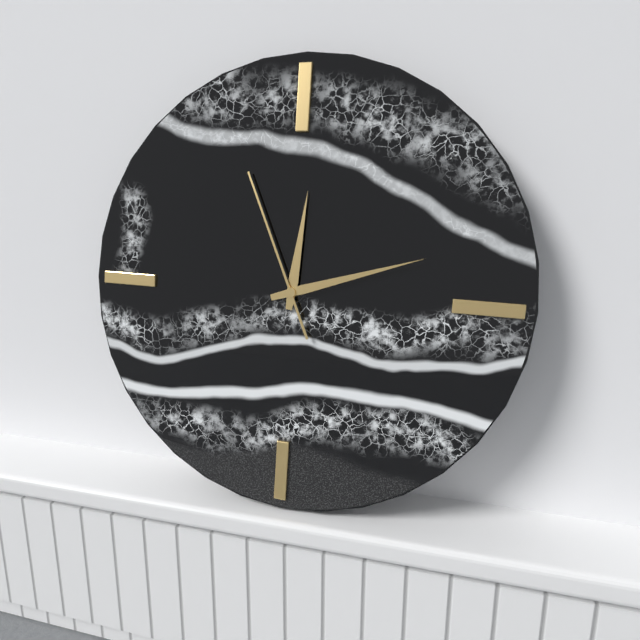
12:12:56
